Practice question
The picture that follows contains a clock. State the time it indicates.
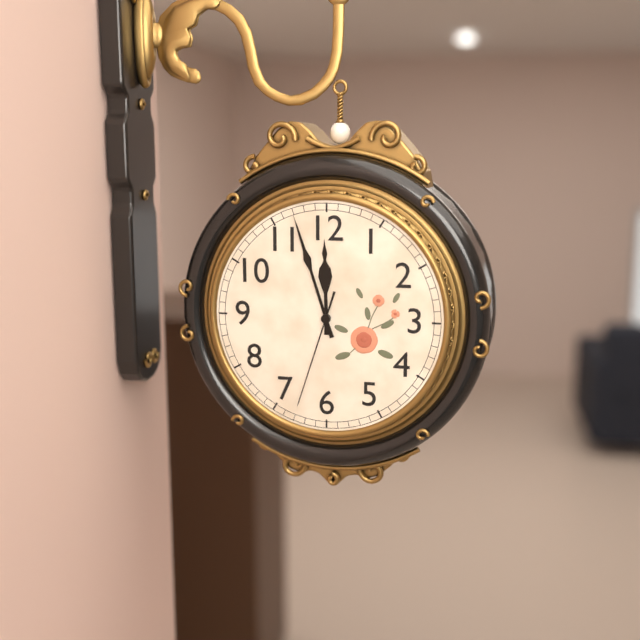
11:57:33
